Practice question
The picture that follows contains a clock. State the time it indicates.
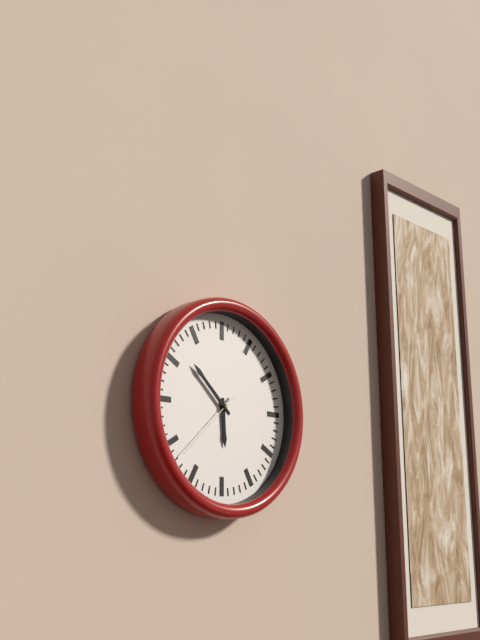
5:52:38
